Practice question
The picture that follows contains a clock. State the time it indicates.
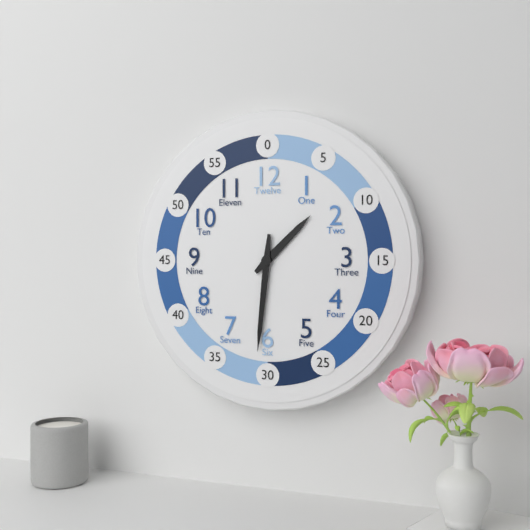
1:31
